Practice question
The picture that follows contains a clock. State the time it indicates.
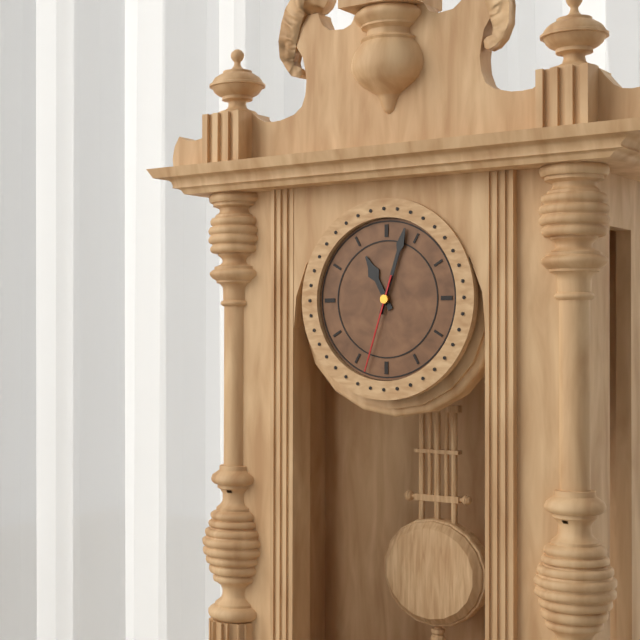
11:03:33
